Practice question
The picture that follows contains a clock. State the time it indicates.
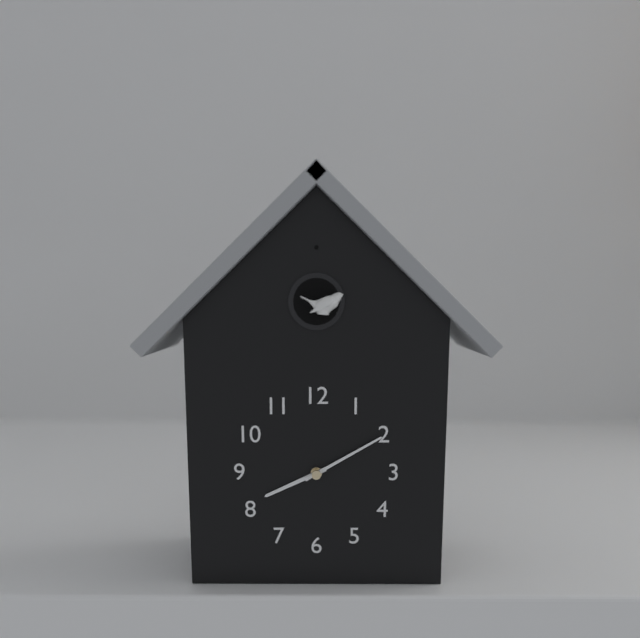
8:10
